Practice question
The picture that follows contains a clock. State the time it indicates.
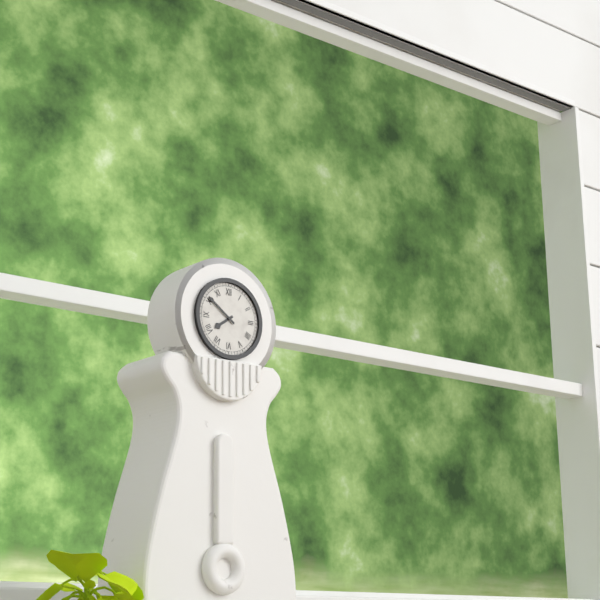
7:51
